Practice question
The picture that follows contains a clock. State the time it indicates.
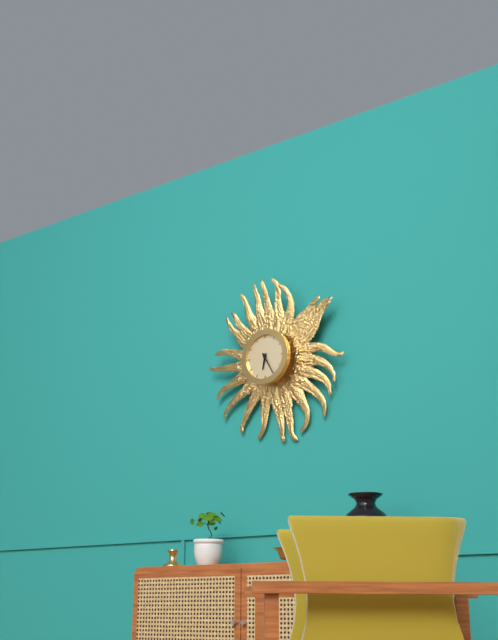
6:25
